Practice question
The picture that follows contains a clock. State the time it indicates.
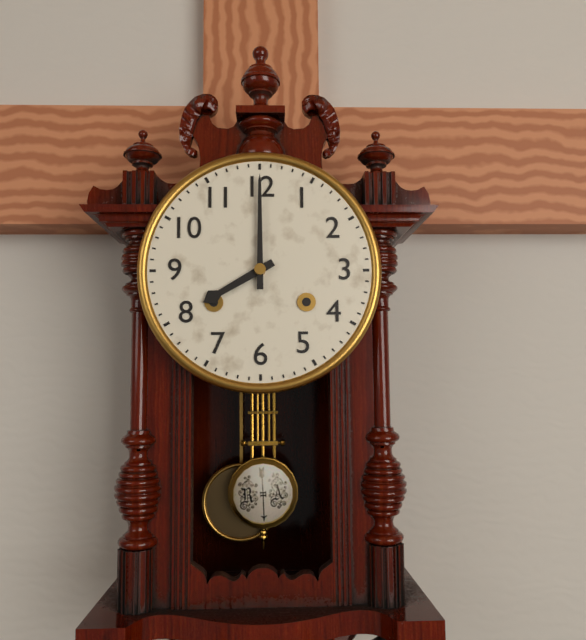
8:00
